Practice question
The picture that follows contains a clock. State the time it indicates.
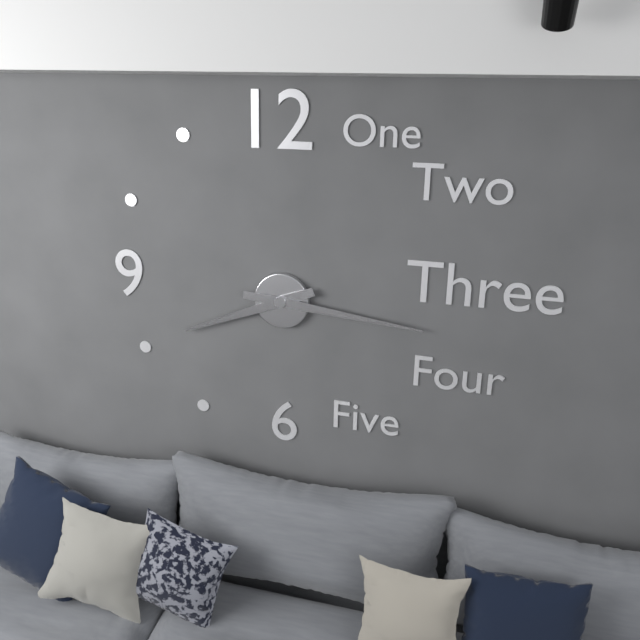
8:16
